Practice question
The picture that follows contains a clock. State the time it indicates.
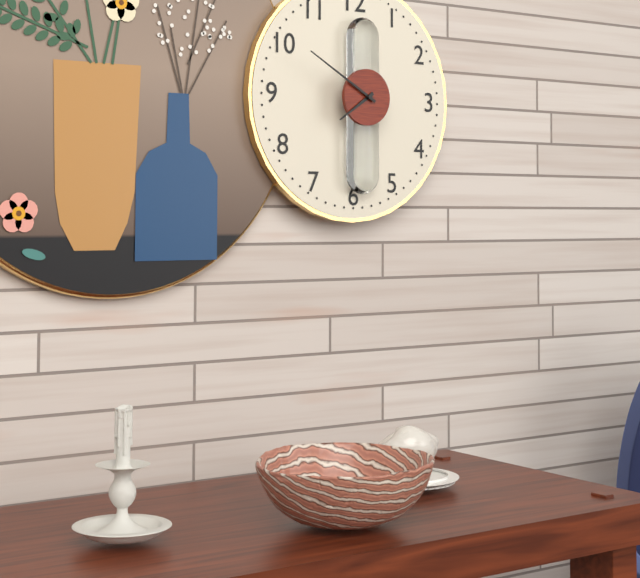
7:50
